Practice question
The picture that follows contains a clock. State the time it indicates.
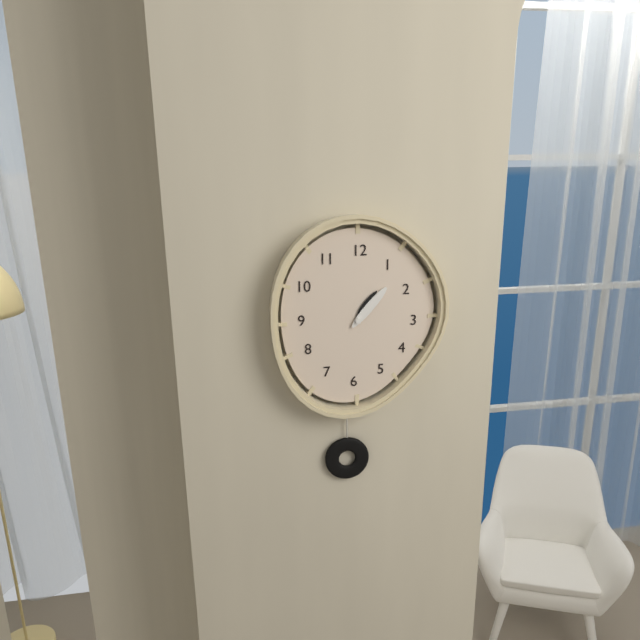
1:07
